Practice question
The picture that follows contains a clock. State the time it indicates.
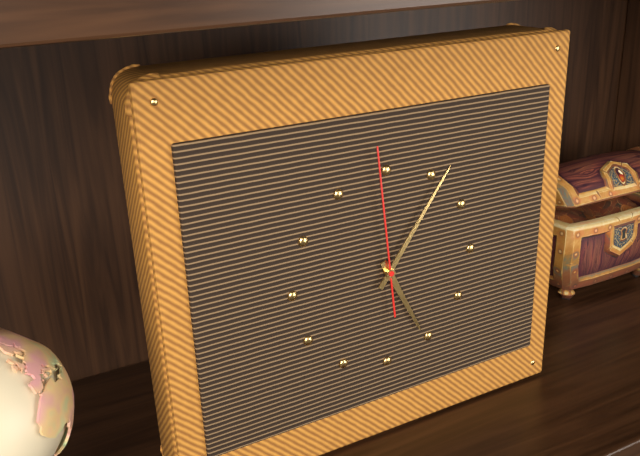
5:06:59
